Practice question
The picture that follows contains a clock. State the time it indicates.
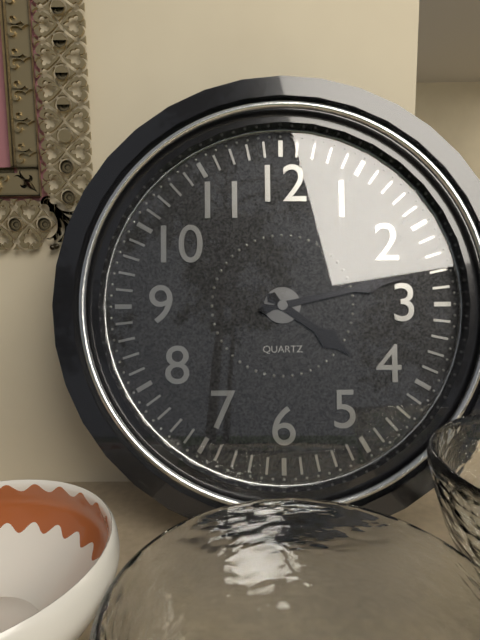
4:13
